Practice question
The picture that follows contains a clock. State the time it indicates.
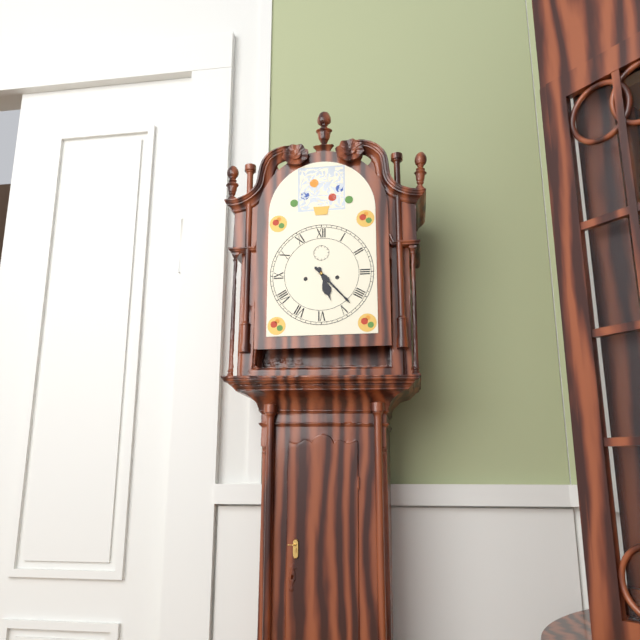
5:23
